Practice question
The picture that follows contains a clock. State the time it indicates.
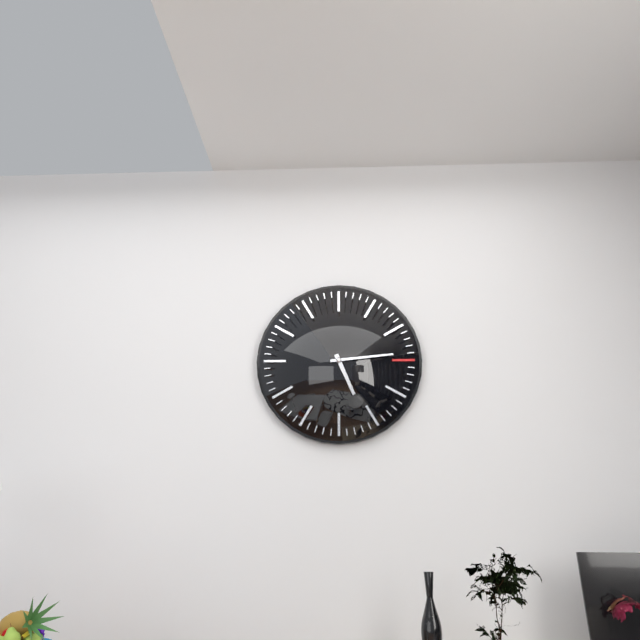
5:14
